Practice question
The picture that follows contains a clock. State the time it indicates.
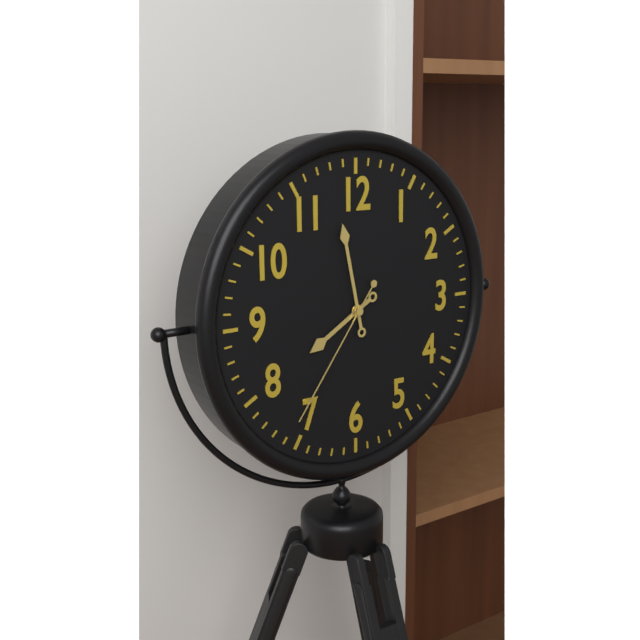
7:58:36
